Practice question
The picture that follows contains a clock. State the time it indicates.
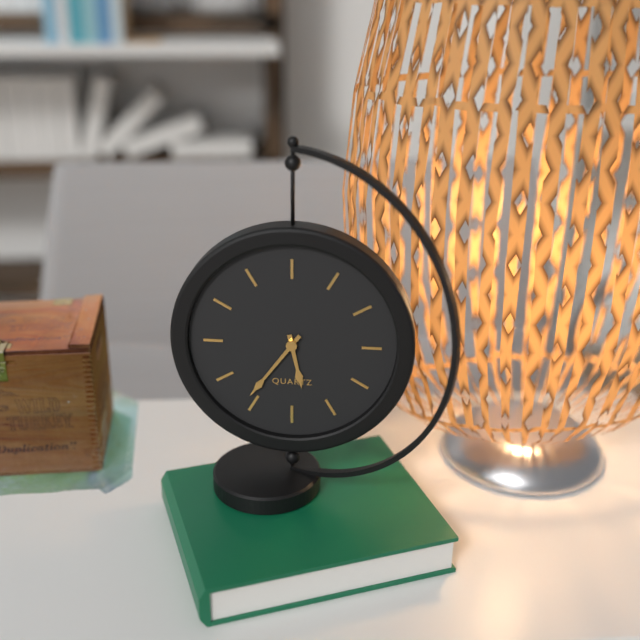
5:36
